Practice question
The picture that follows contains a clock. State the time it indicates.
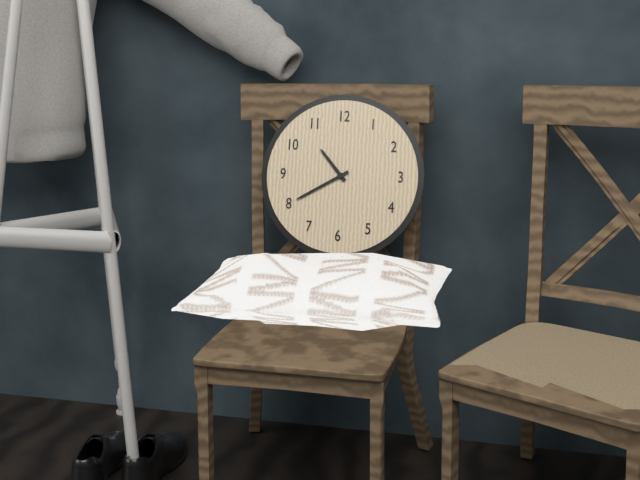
10:40
